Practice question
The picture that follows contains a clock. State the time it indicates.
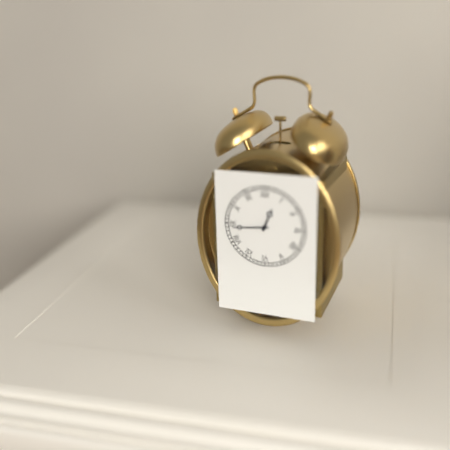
12:44
